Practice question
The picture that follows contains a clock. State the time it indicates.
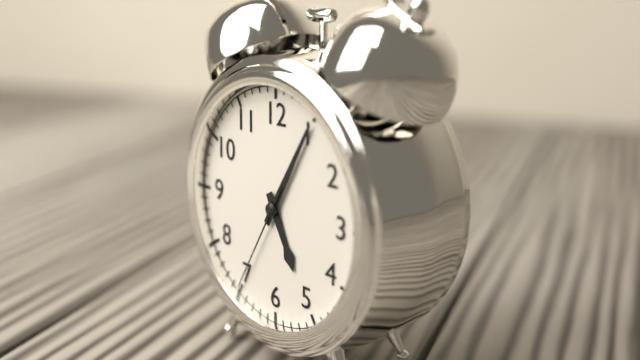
5:05:35
